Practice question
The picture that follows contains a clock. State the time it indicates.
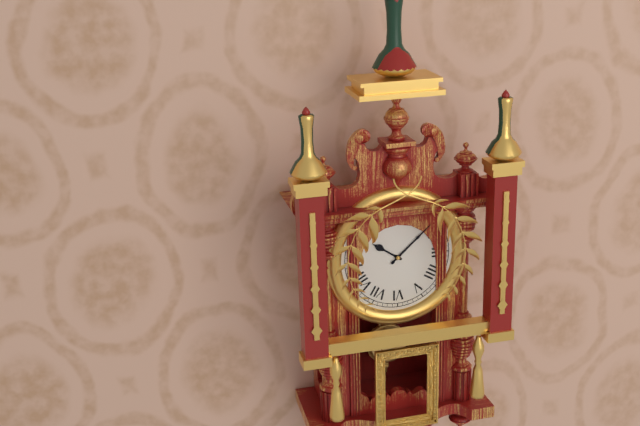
10:08
